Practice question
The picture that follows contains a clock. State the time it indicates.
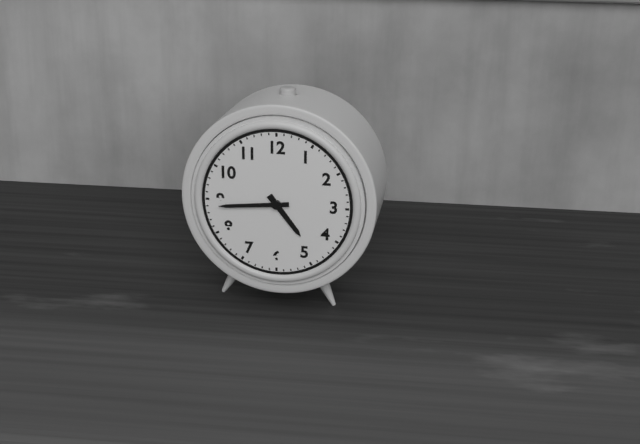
4:44
